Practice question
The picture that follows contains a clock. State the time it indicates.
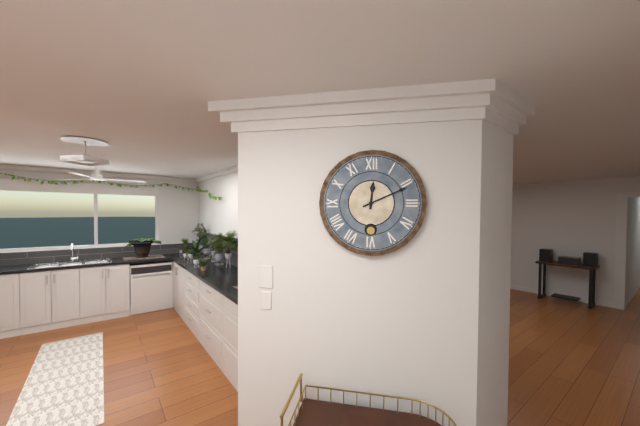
12:11
